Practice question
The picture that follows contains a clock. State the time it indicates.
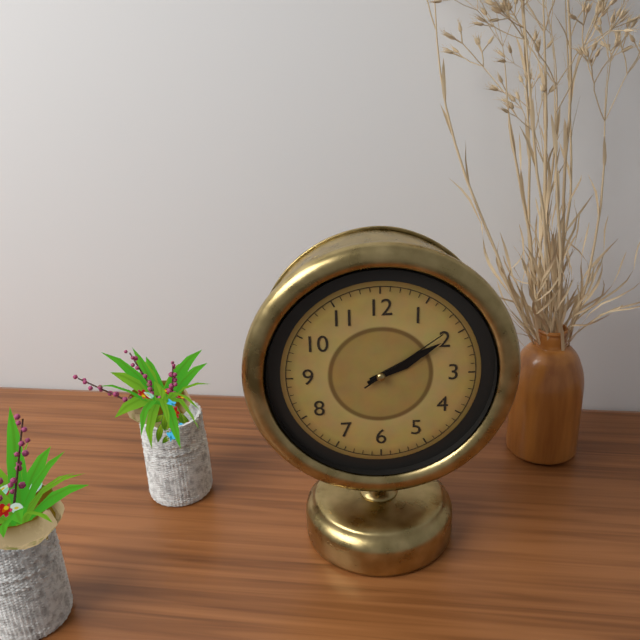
2:10:09
